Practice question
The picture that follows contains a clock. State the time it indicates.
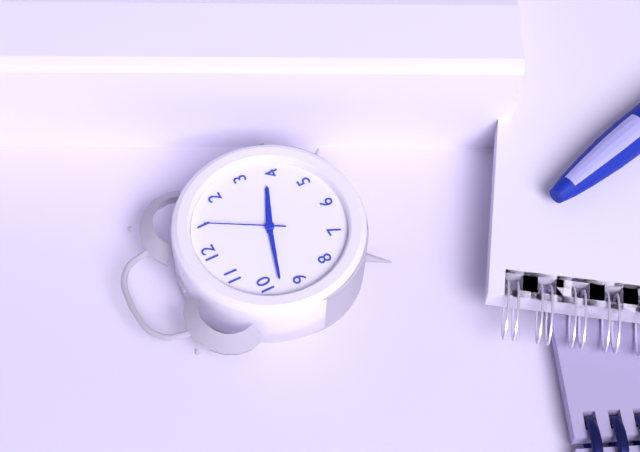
3:48:05
